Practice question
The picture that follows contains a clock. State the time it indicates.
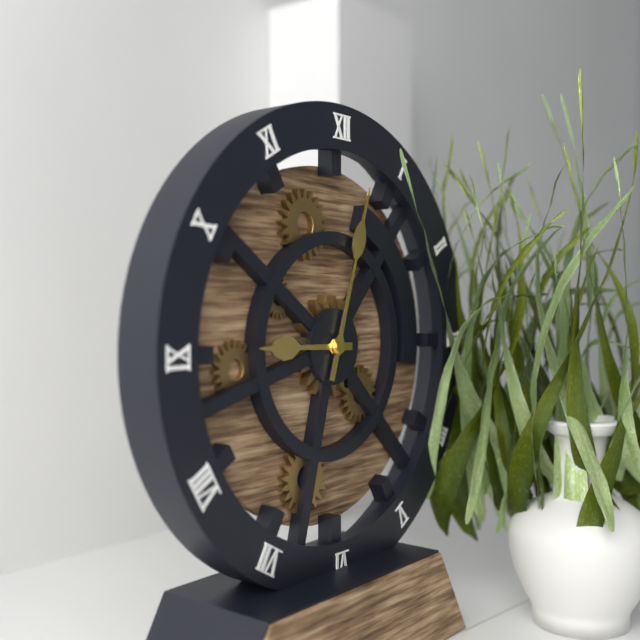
9:03
